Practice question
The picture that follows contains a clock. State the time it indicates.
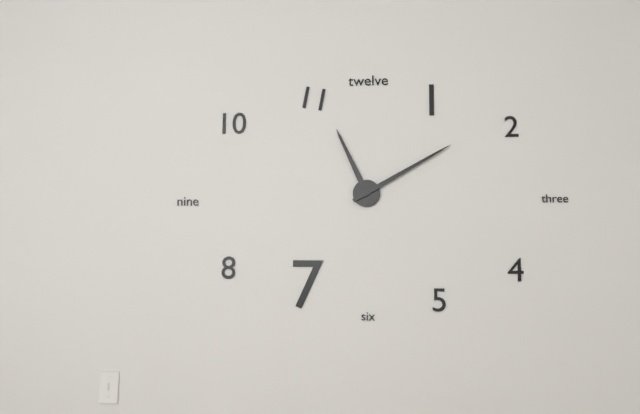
11:10
